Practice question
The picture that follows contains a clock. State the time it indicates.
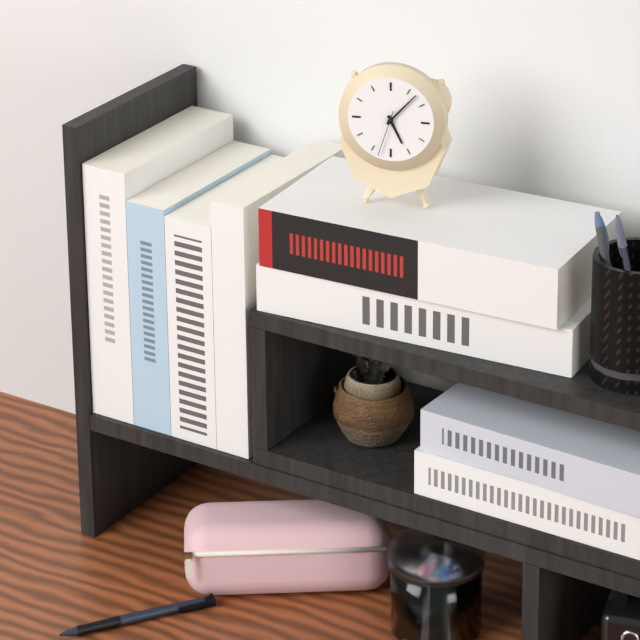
5:07
